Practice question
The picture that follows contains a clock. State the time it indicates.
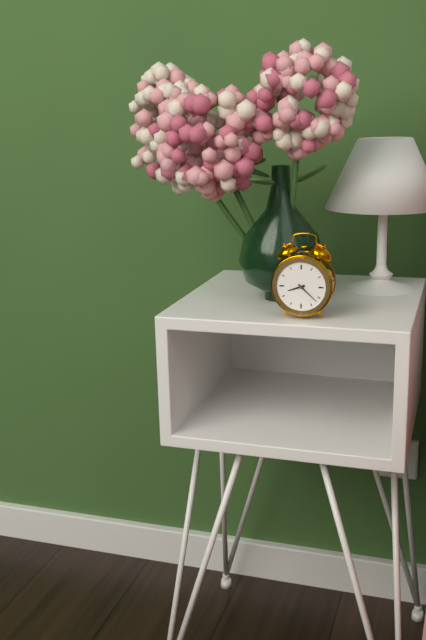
8:22
